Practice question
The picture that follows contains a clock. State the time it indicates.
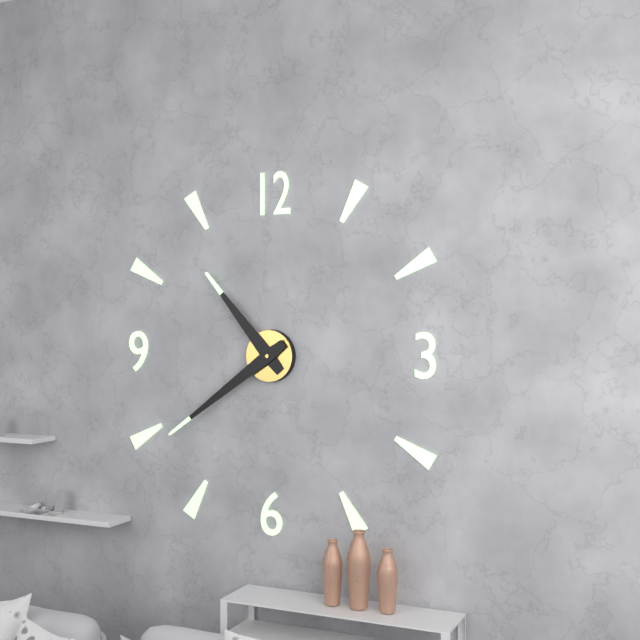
10:39
